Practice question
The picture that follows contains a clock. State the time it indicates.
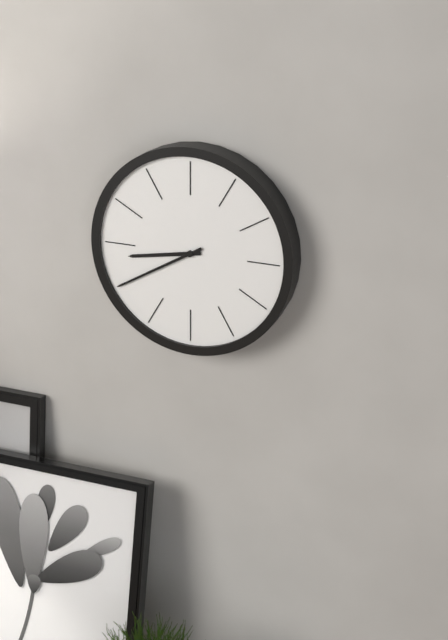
8:40
